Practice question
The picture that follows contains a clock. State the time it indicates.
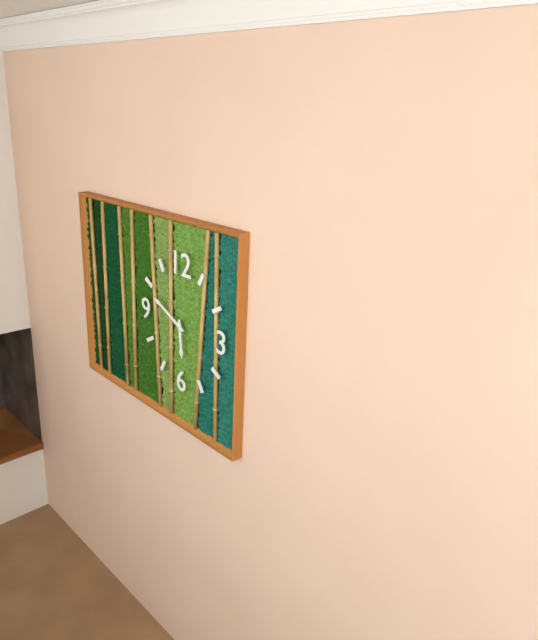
5:49
